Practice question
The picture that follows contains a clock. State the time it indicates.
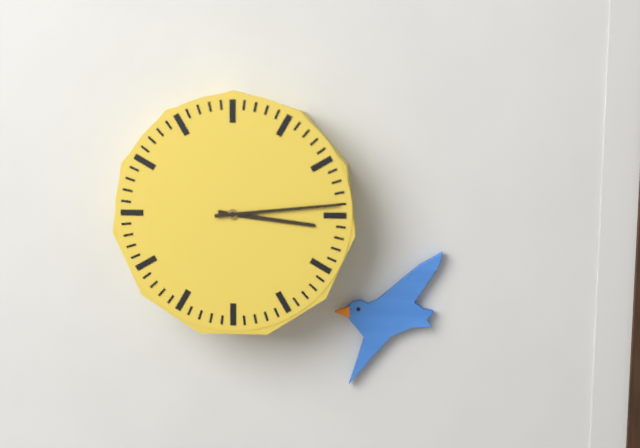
3:14
